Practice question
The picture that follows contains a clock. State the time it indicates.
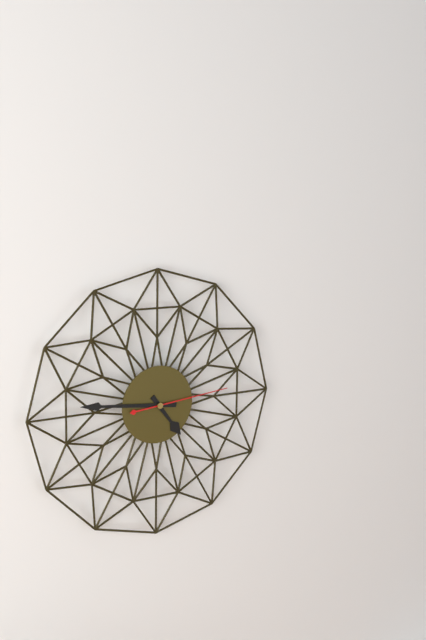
4:46:14
